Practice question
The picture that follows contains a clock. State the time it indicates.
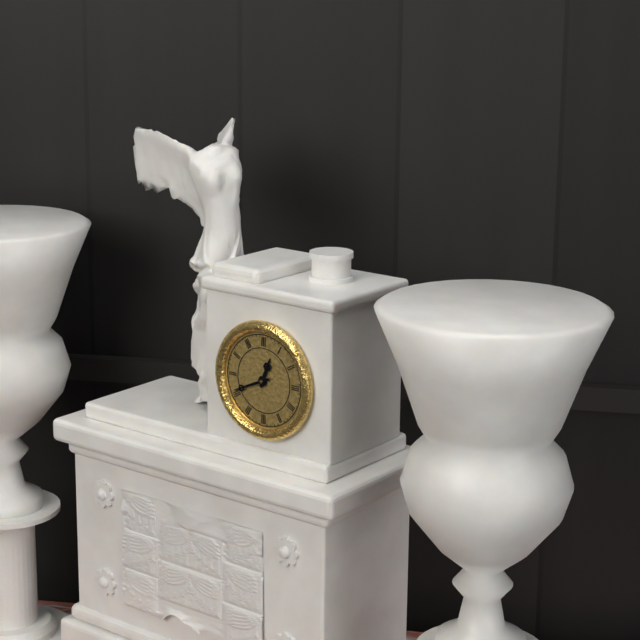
12:41
